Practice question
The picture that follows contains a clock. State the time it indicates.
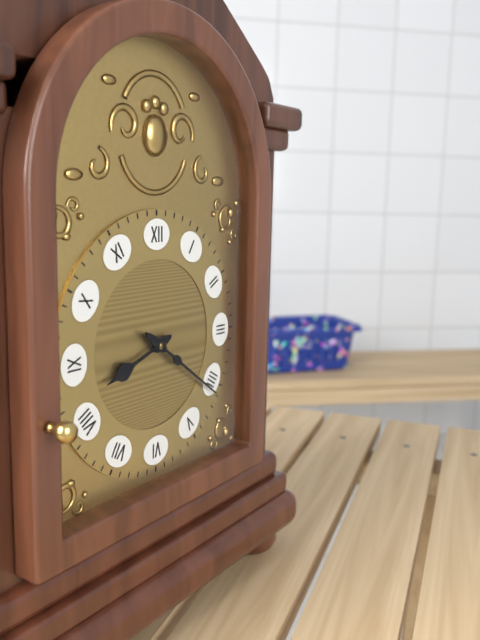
8:21
